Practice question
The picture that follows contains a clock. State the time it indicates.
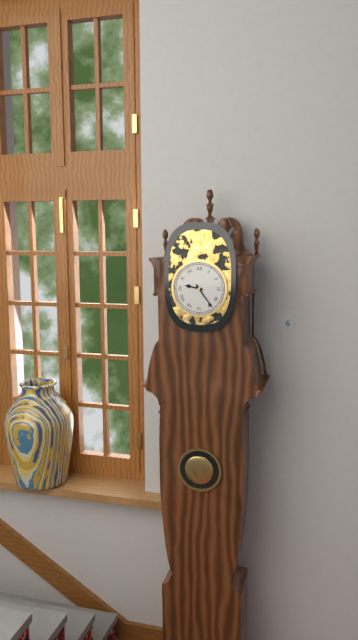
9:24
